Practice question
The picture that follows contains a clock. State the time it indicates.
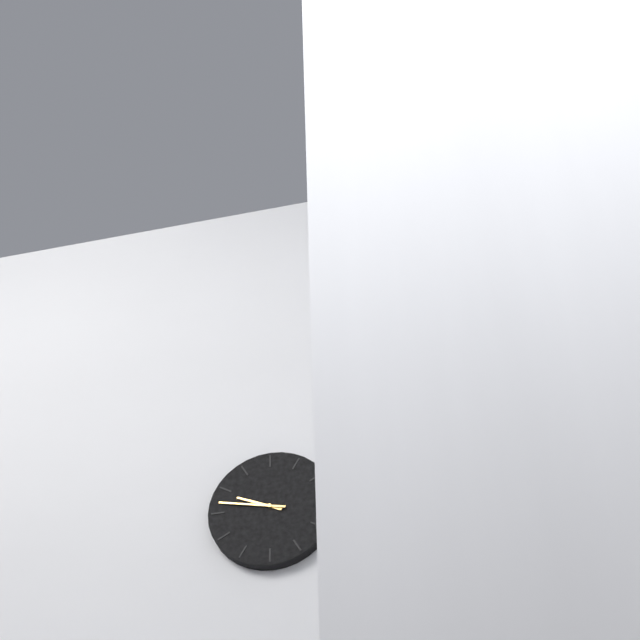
9:47
